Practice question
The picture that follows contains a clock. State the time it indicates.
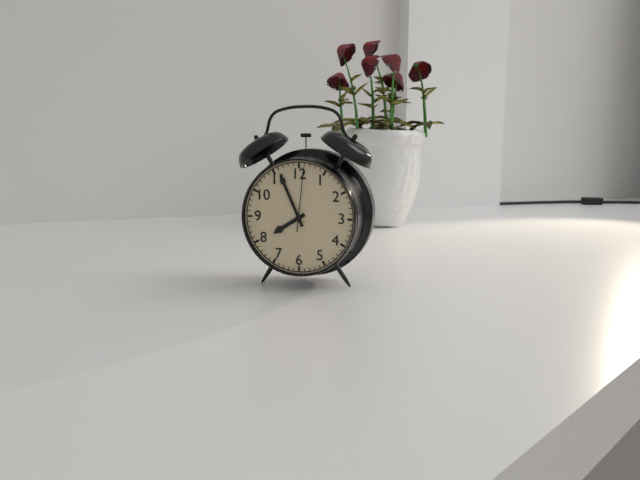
7:56:01
